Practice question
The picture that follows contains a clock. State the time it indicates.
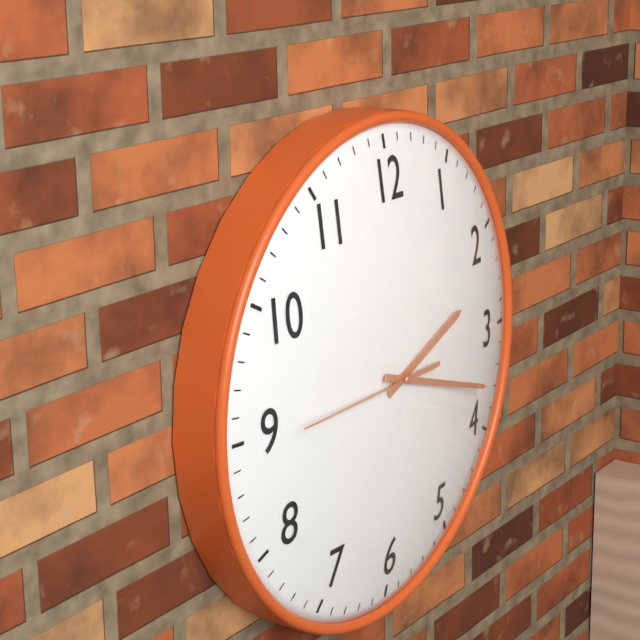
2:18:45
